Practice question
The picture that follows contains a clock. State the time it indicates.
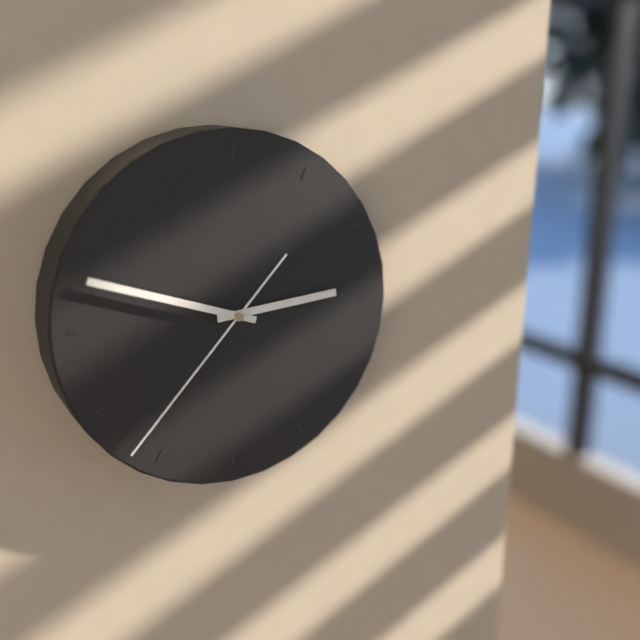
2:48:37
